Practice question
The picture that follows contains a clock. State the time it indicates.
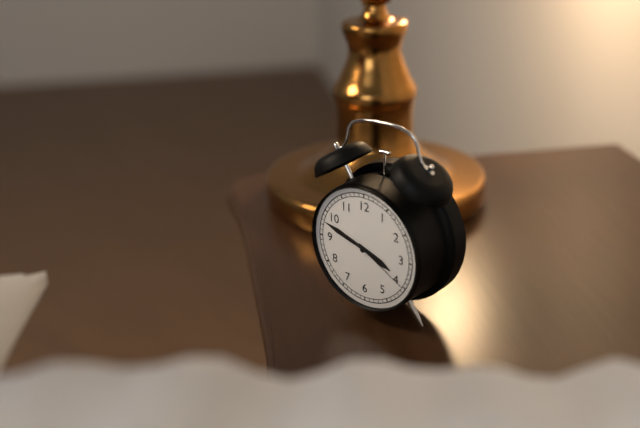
3:48:20
